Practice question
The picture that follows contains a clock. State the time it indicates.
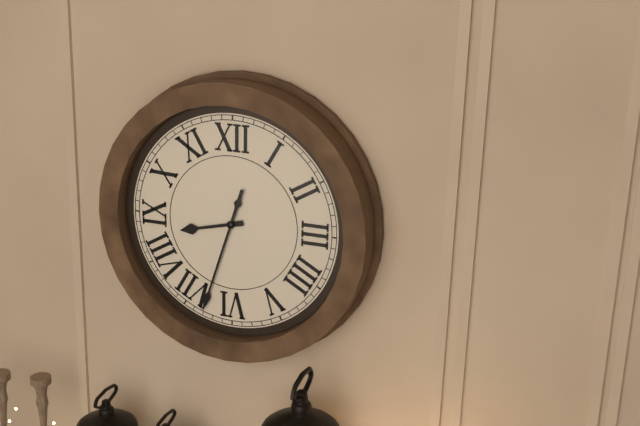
8:33
